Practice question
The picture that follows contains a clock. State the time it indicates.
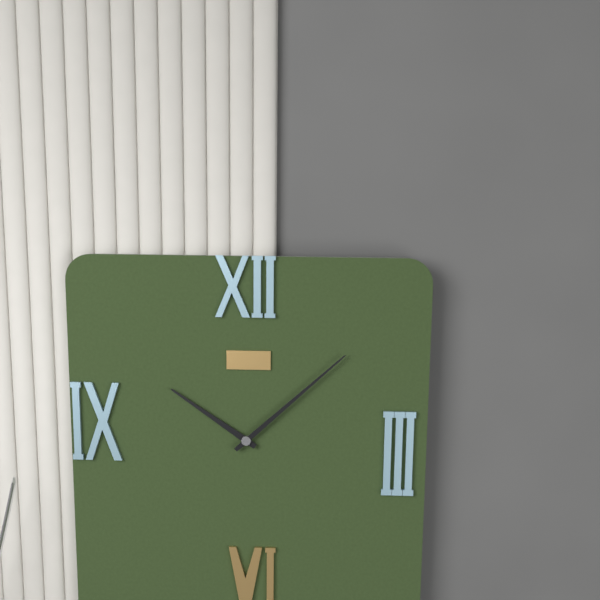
10:08
